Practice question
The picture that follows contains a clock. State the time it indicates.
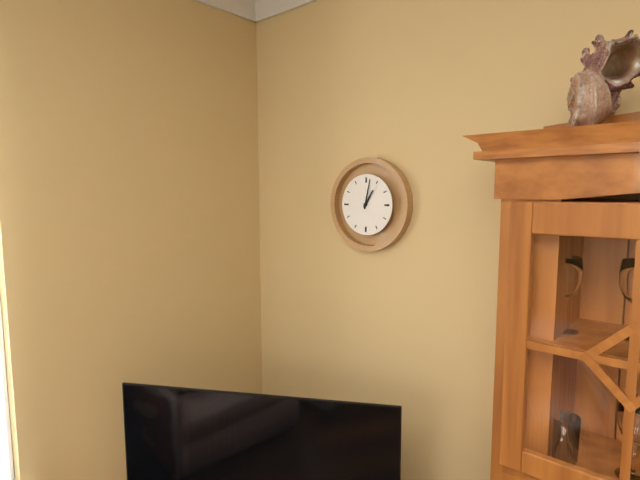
1:02
